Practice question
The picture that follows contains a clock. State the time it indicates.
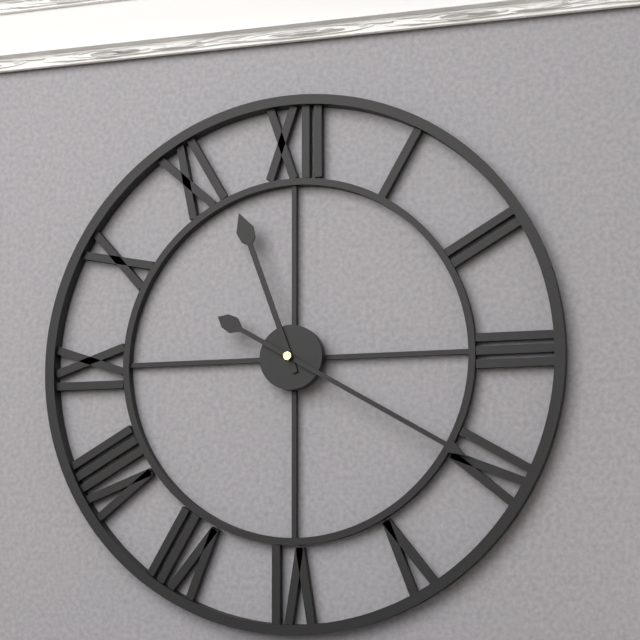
11:20
